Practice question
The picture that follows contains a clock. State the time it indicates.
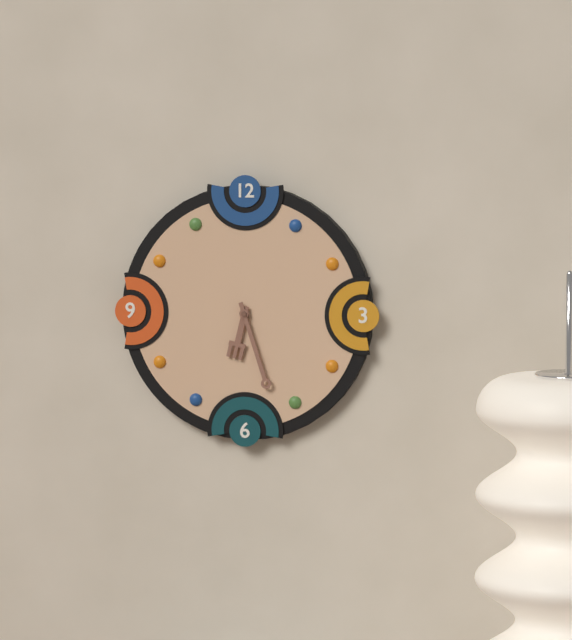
6:27
